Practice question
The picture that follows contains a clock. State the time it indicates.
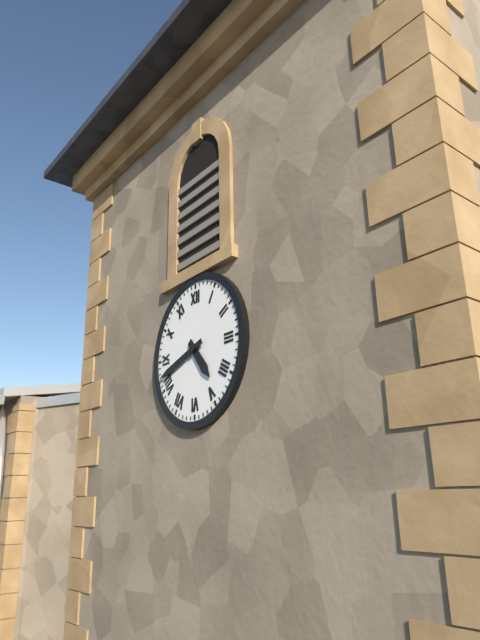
4:42
